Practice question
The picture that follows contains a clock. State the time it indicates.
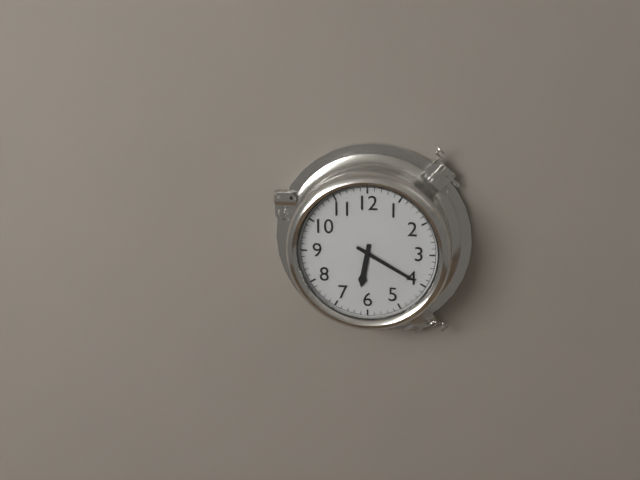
6:20
